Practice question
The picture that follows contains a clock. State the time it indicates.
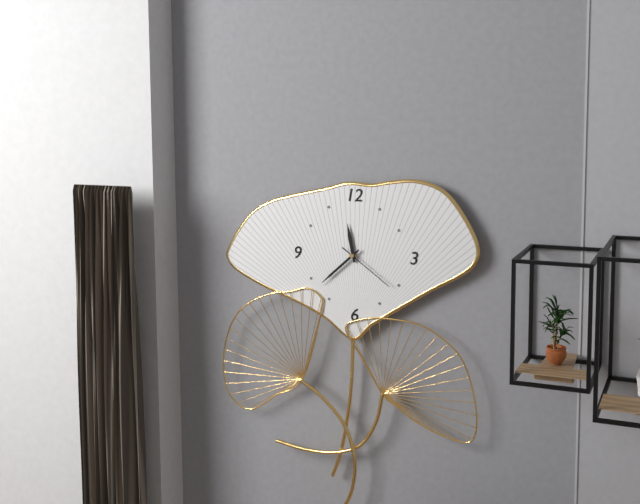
11:38:21
